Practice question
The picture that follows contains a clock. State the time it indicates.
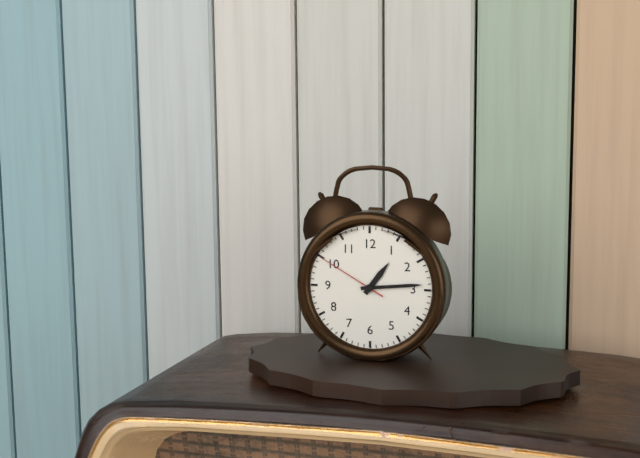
1:14:50
